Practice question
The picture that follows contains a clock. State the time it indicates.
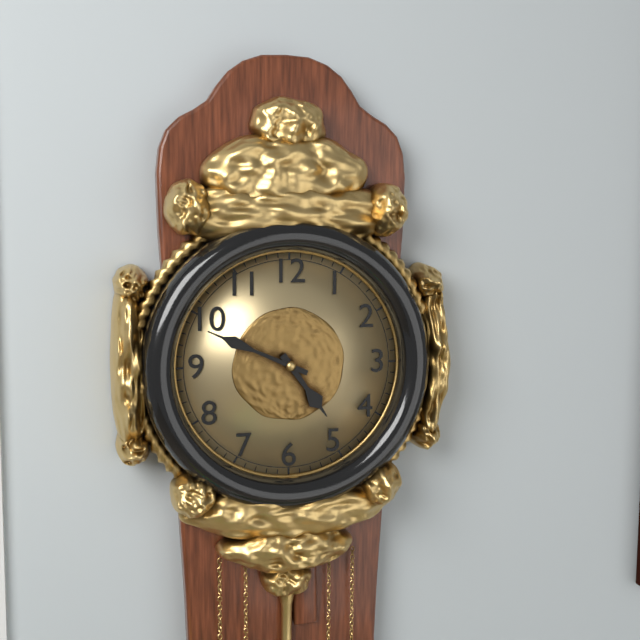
4:49
